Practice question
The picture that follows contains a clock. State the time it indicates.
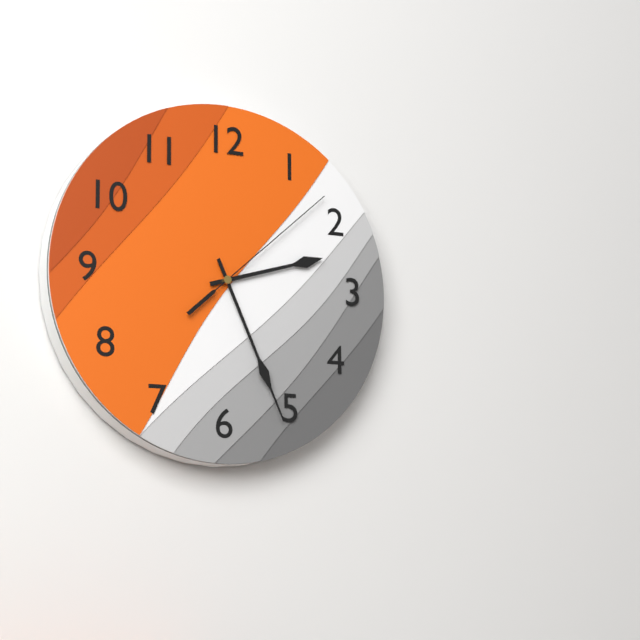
2:26:08
